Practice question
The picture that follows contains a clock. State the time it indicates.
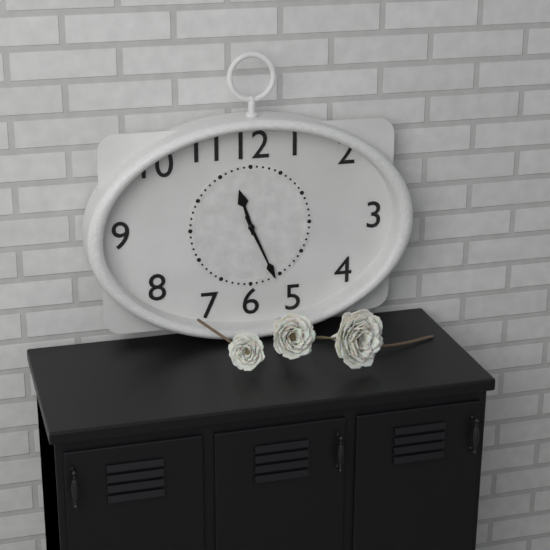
11:26
